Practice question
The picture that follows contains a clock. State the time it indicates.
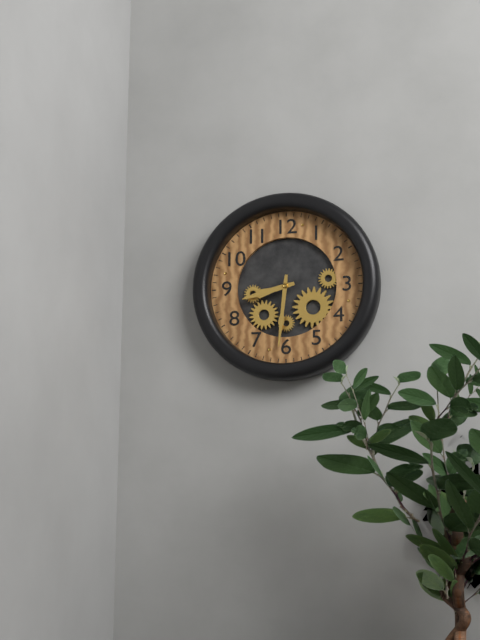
8:31
